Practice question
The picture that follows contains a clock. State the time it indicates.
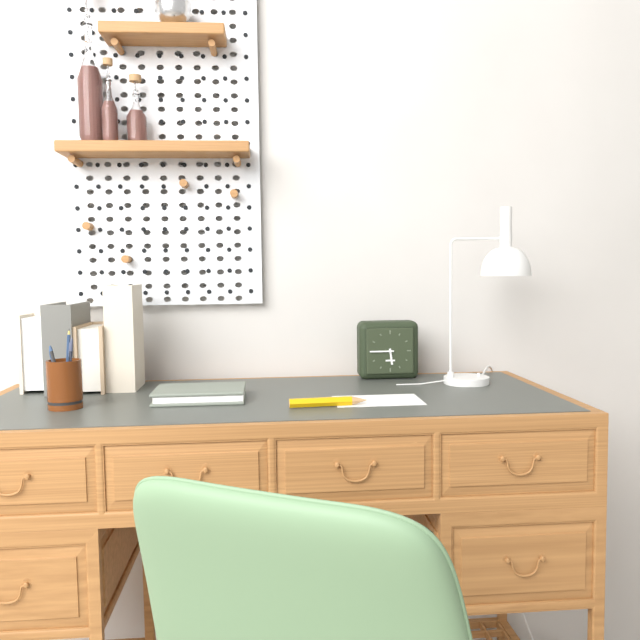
5:45
